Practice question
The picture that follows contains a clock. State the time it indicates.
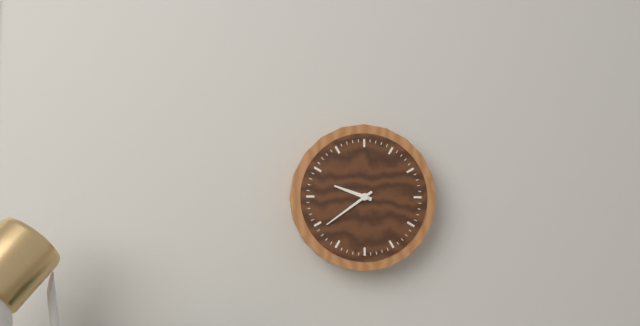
9:39
